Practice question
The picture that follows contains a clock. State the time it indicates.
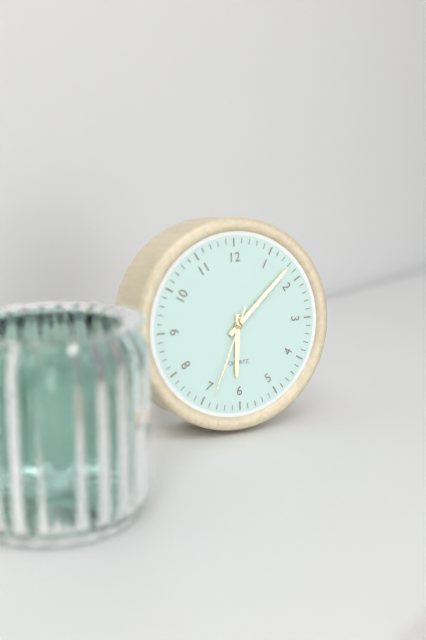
6:08:34
